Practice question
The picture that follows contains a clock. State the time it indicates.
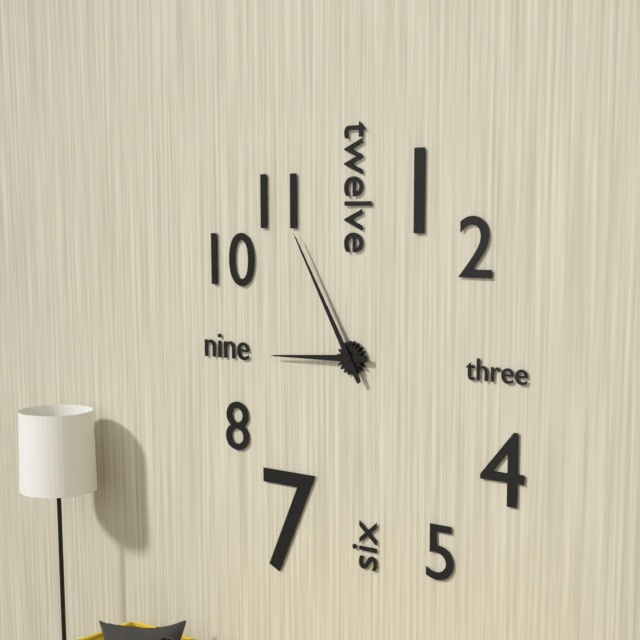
8:55
